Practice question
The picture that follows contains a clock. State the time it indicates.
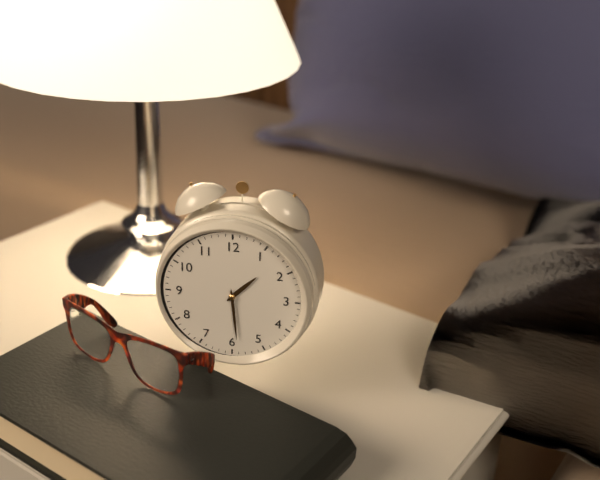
1:29
